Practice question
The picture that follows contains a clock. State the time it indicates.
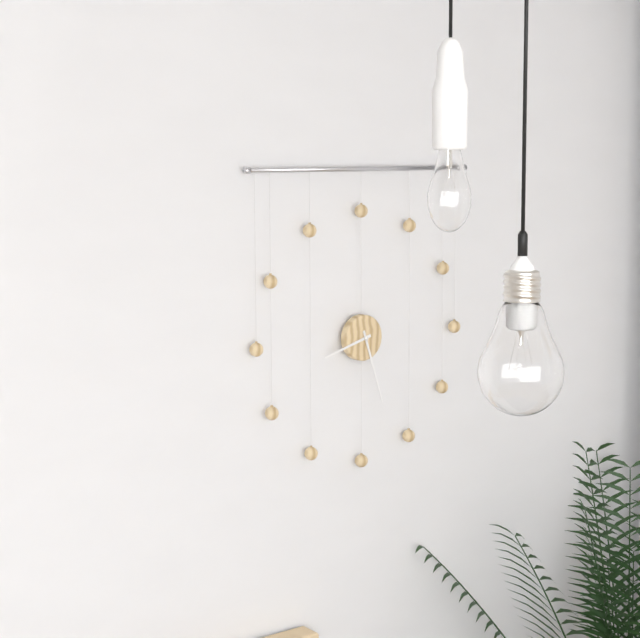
8:27
